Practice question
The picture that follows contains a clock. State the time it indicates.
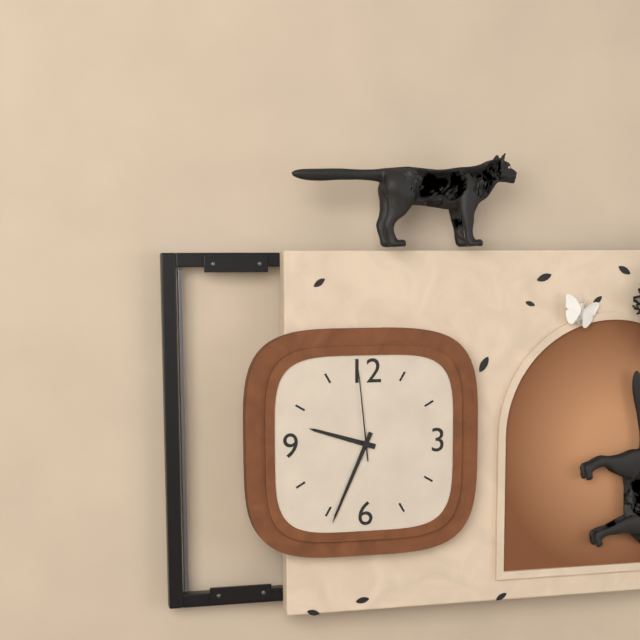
9:34:59
